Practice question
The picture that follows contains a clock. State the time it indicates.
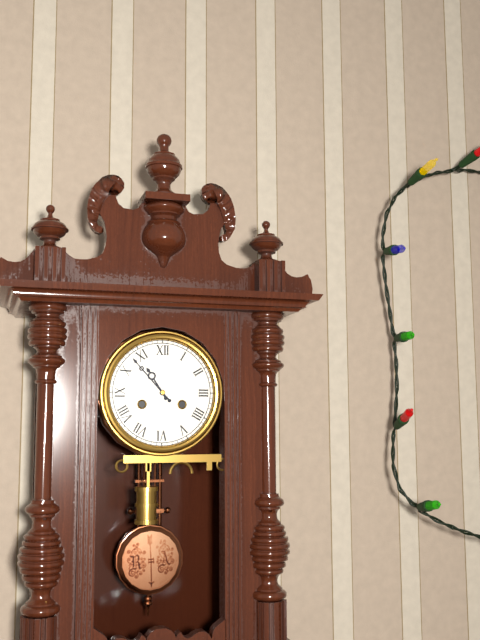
10:53
